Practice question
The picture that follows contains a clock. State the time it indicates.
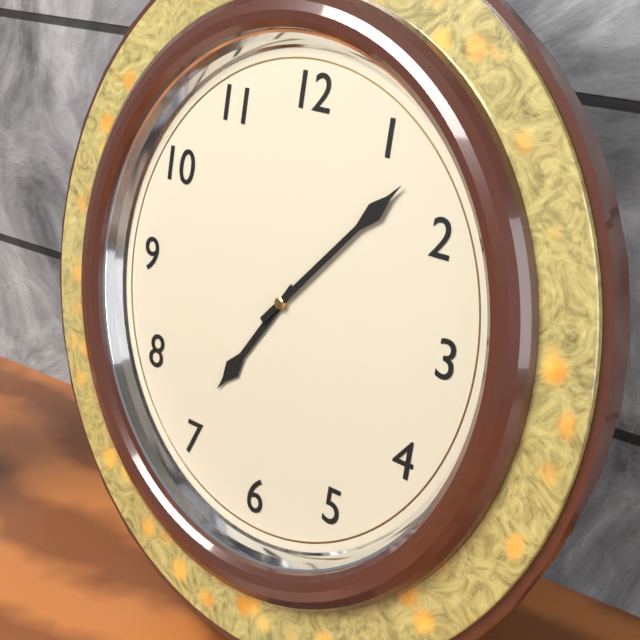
7:07
